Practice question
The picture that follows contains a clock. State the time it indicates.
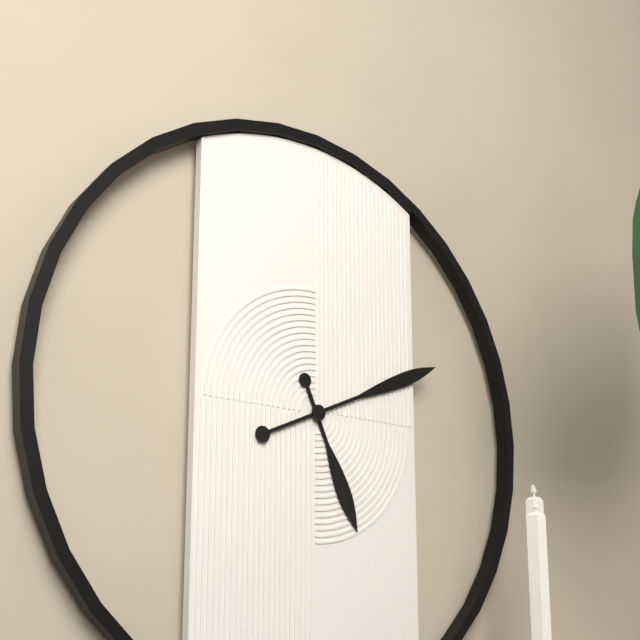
5:11
